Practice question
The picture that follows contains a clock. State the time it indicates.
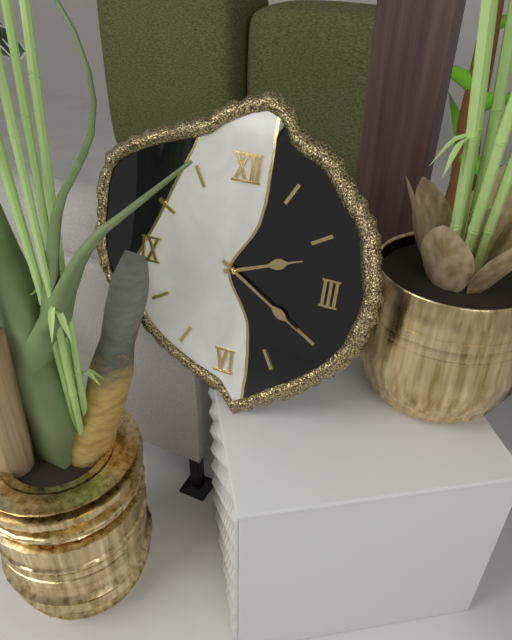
2:20
